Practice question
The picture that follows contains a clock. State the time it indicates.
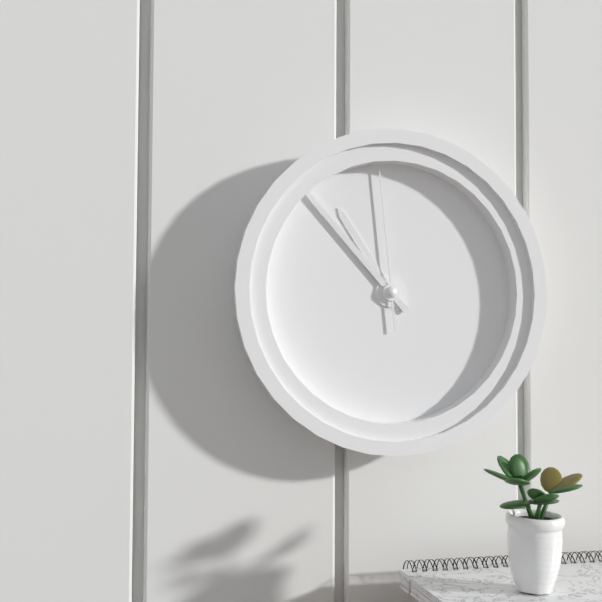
10:53:59
